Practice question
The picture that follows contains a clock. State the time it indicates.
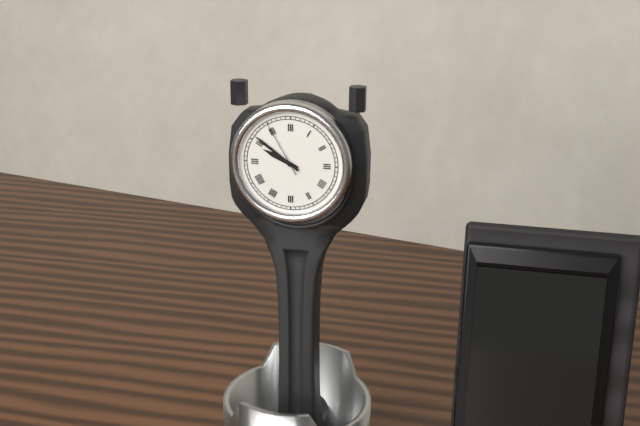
9:51:55
